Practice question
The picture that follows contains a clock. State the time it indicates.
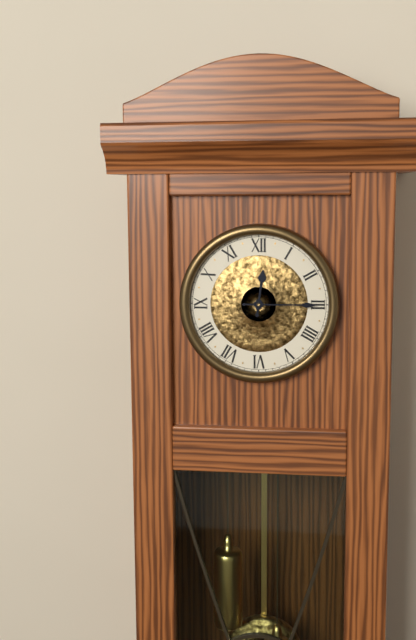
12:15
